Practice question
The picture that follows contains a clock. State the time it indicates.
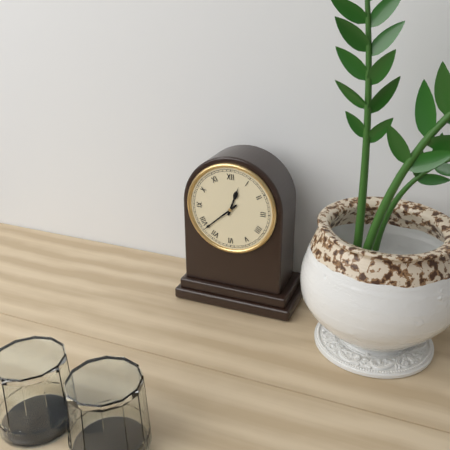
12:38
